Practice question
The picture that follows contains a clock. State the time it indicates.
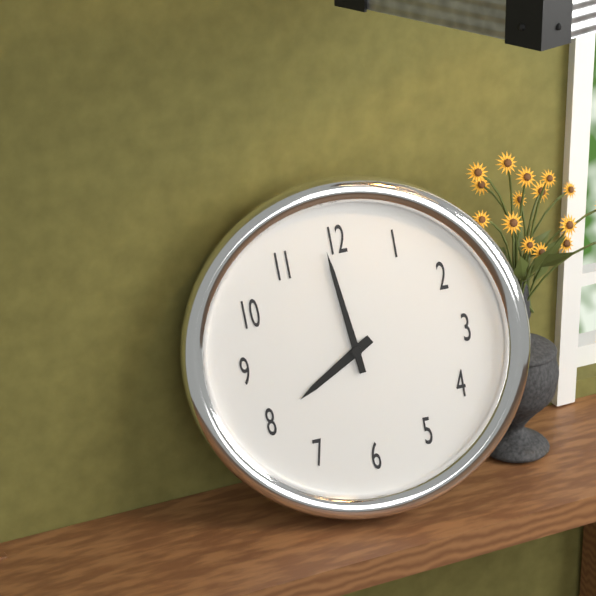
7:59
